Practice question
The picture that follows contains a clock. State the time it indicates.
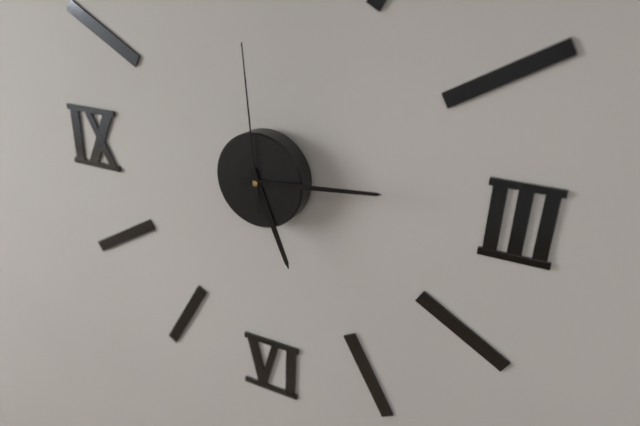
5:14:59
